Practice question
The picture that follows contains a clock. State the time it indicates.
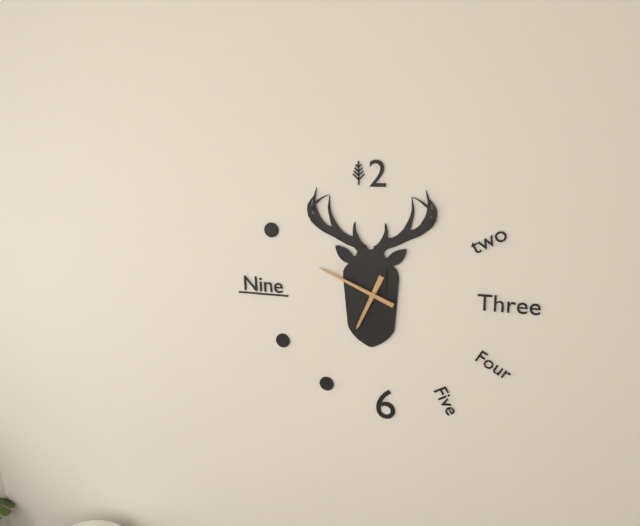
6:49
